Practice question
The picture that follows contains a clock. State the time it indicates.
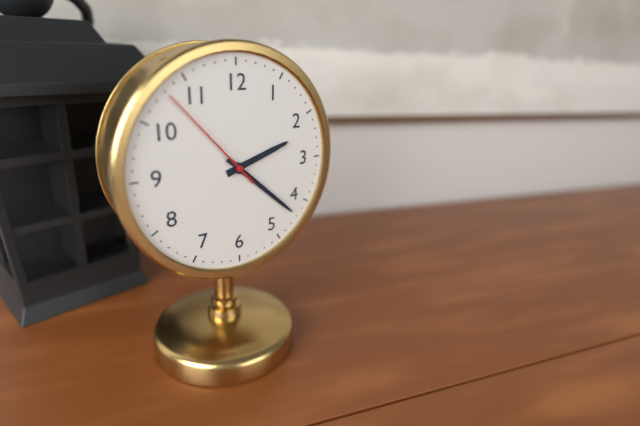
2:22:53
